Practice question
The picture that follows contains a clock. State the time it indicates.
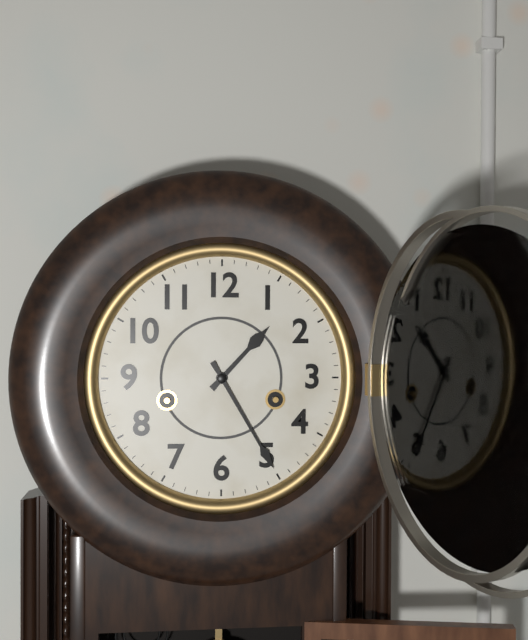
1:25
